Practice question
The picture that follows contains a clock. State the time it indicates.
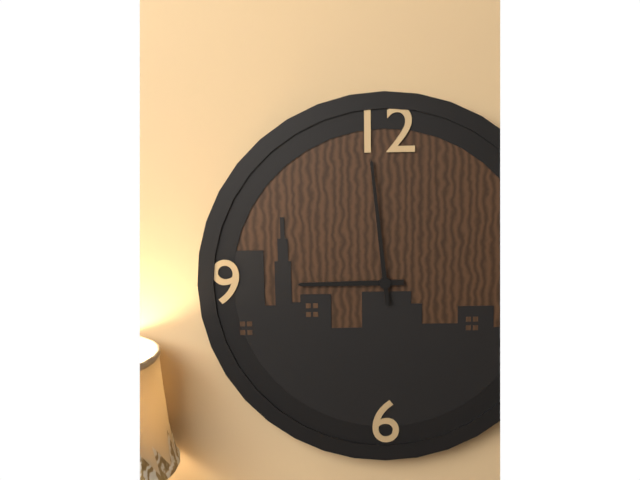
8:59
